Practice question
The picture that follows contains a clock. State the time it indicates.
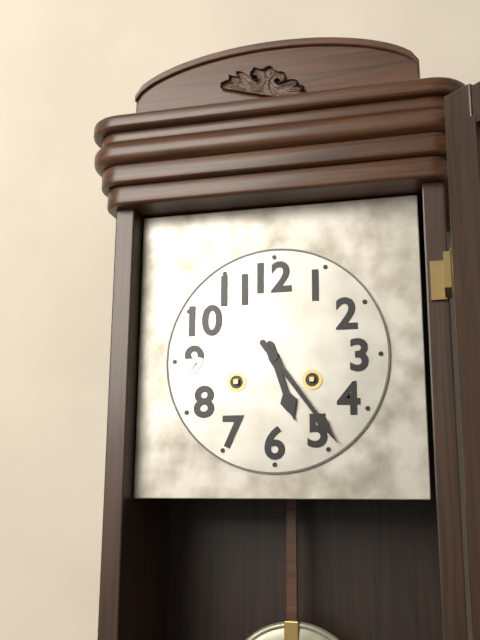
5:24
